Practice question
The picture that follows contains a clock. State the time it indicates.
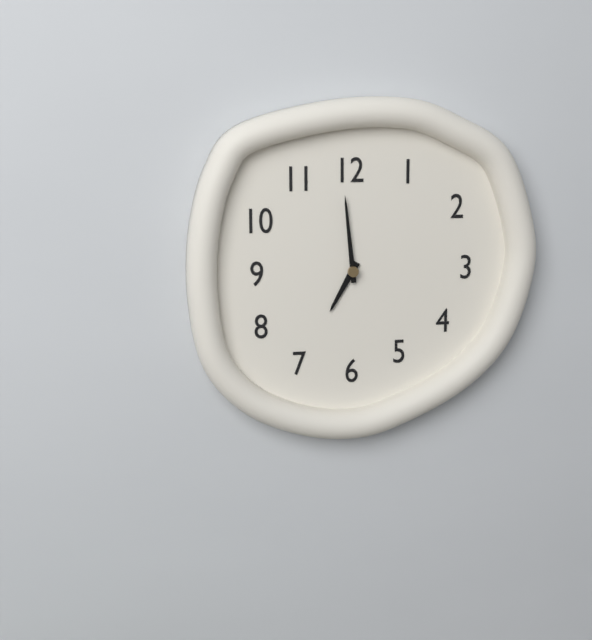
6:59
